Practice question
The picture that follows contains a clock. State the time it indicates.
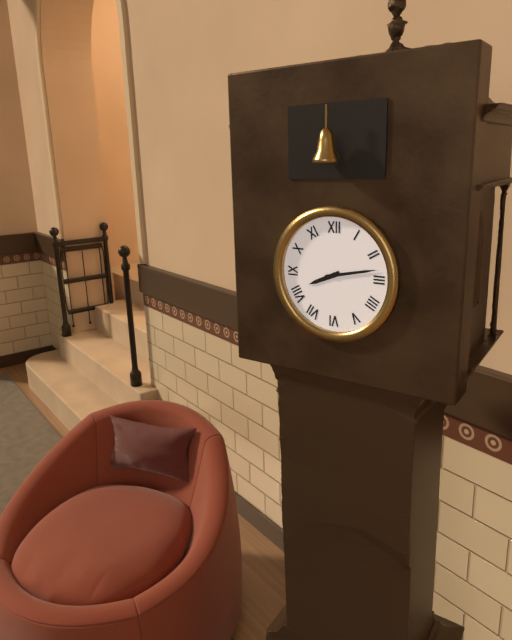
8:13
